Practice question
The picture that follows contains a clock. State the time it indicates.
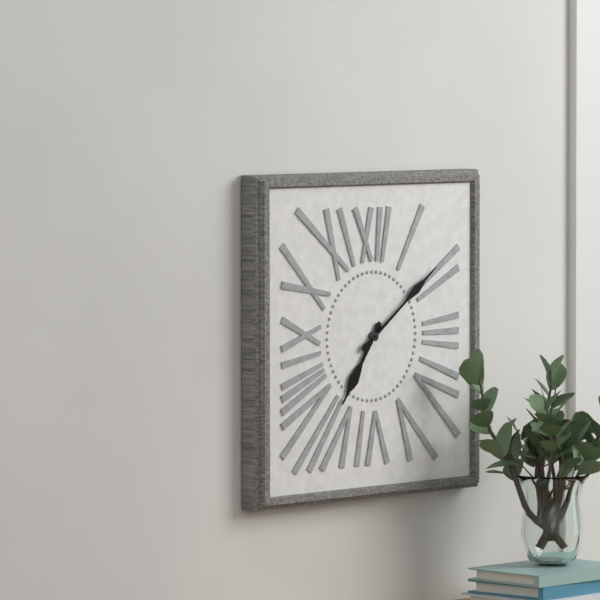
7:09
